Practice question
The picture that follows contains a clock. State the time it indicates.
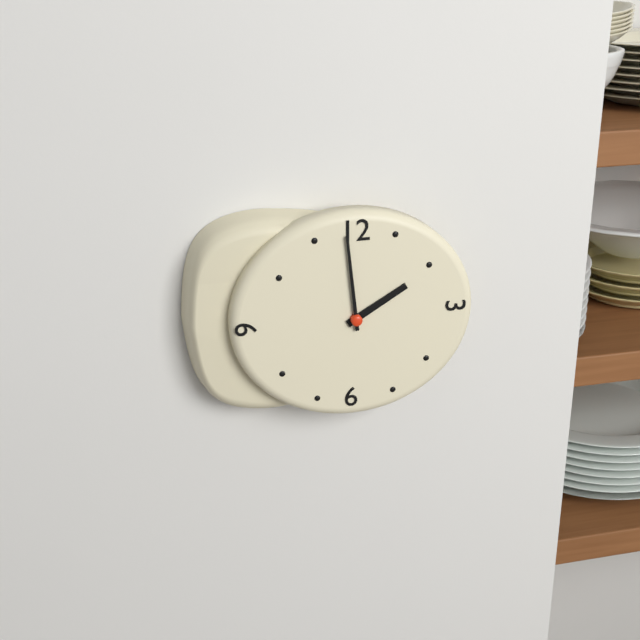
1:59
